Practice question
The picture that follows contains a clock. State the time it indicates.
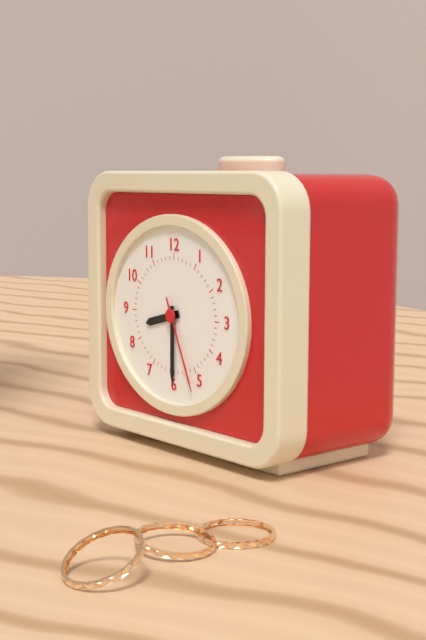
8:30:26
